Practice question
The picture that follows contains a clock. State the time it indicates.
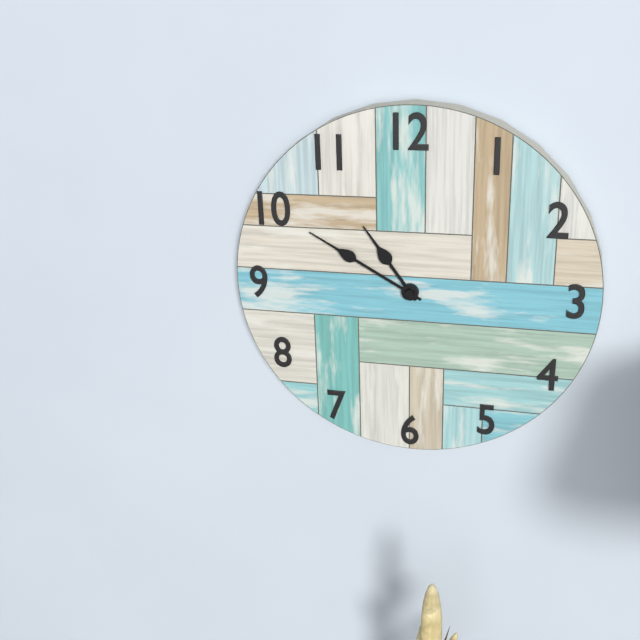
10:50
